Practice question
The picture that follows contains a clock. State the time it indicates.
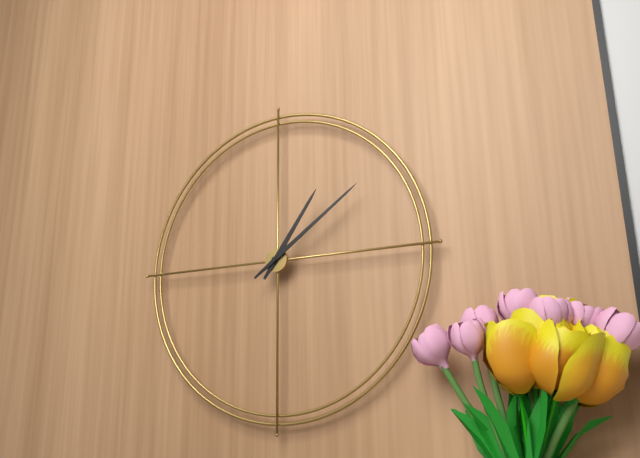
1:09
